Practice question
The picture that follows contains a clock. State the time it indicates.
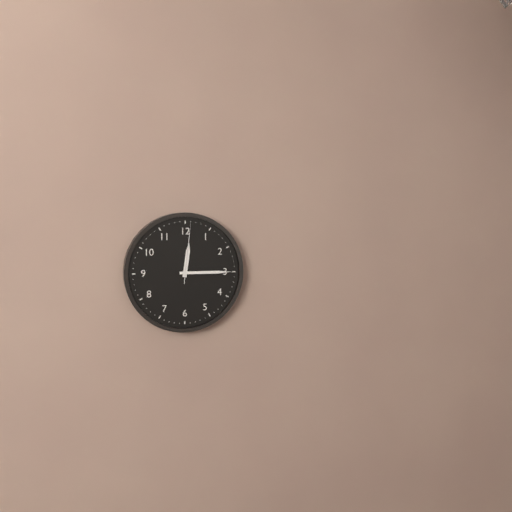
12:15:01
